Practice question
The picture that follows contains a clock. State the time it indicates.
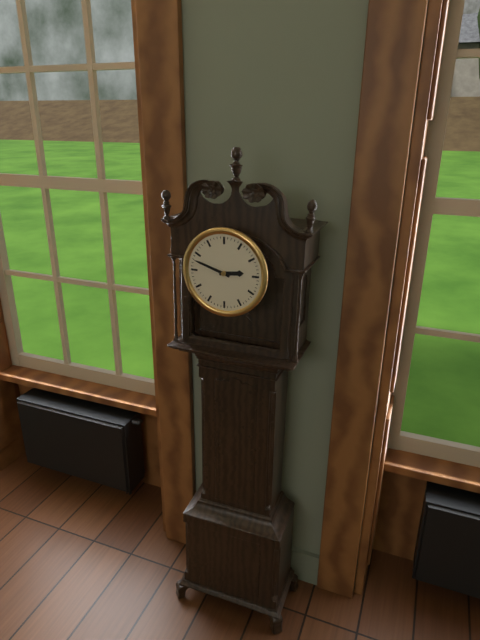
2:48
